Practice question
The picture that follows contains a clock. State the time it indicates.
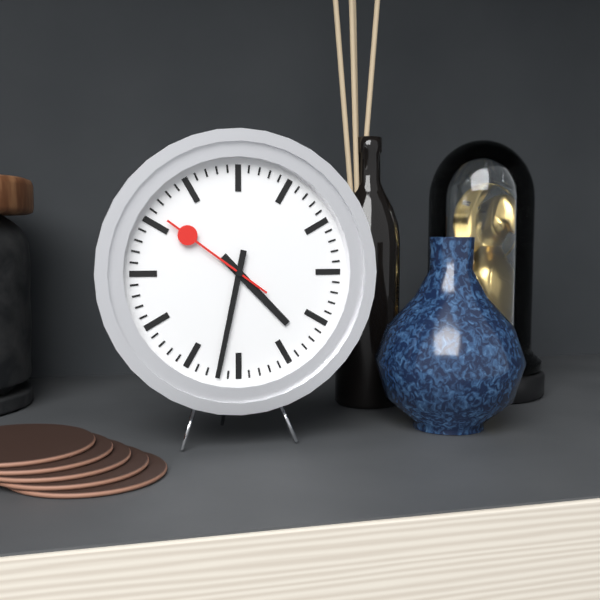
4:32:51
